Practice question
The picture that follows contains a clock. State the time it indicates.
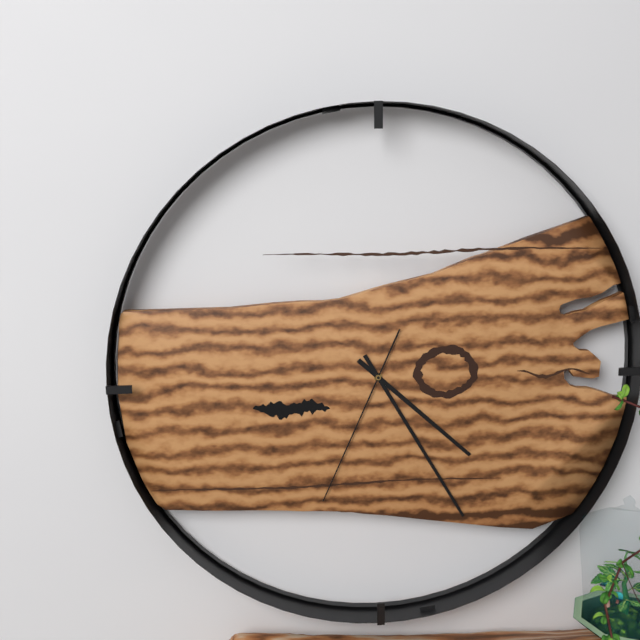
4:25:34
